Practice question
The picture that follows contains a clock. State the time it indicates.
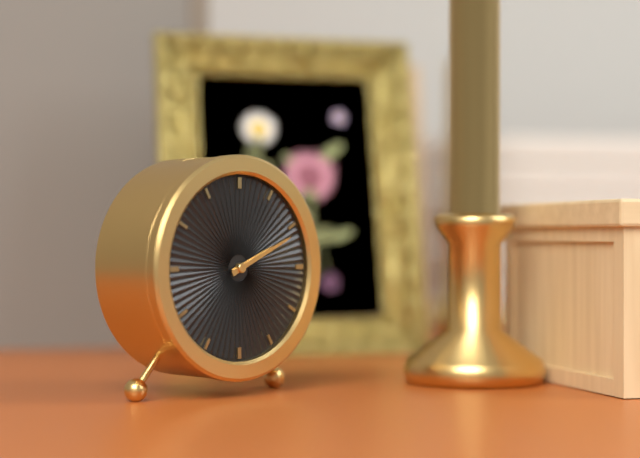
2:11
